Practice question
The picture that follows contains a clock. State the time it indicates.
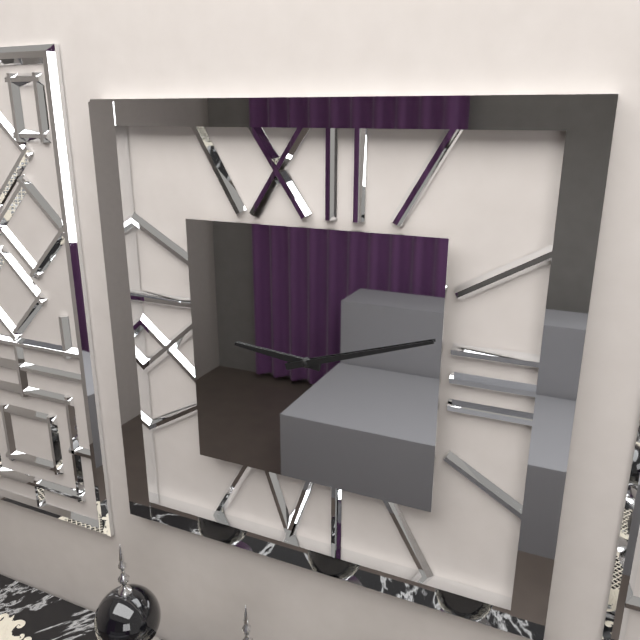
9:12
